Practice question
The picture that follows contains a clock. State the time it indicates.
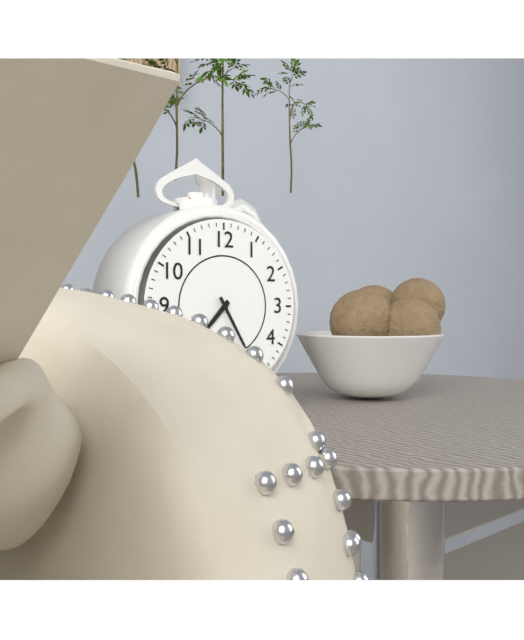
7:25
